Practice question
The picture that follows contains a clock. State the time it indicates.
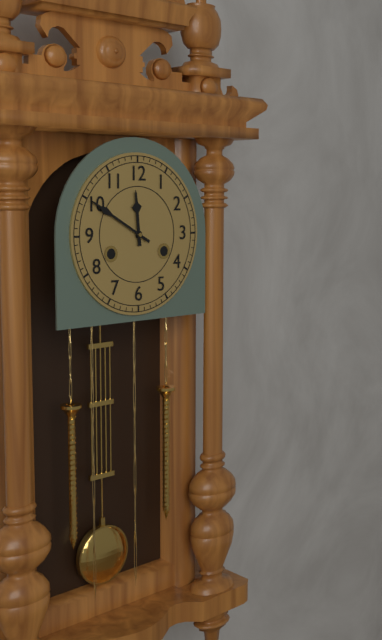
11:50
